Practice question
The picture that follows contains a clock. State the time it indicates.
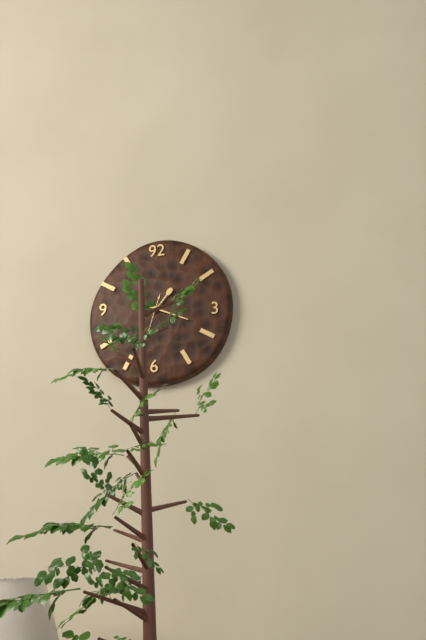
1:19
